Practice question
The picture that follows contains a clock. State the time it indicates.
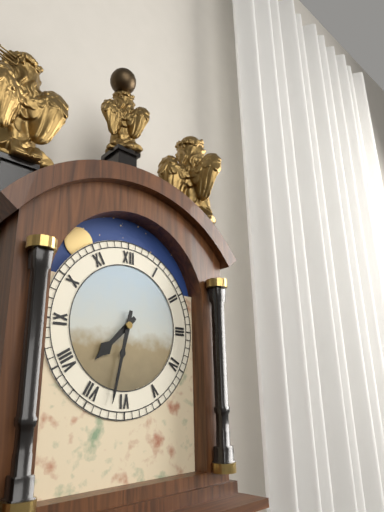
7:32
